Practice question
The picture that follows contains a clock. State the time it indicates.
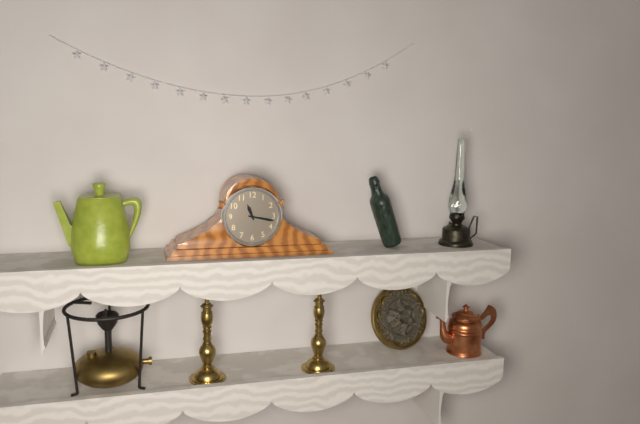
11:17
